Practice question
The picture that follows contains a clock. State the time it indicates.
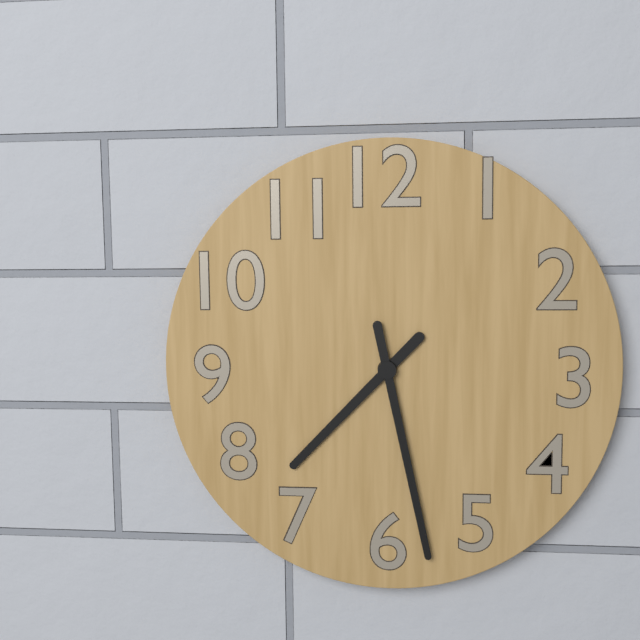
7:28
